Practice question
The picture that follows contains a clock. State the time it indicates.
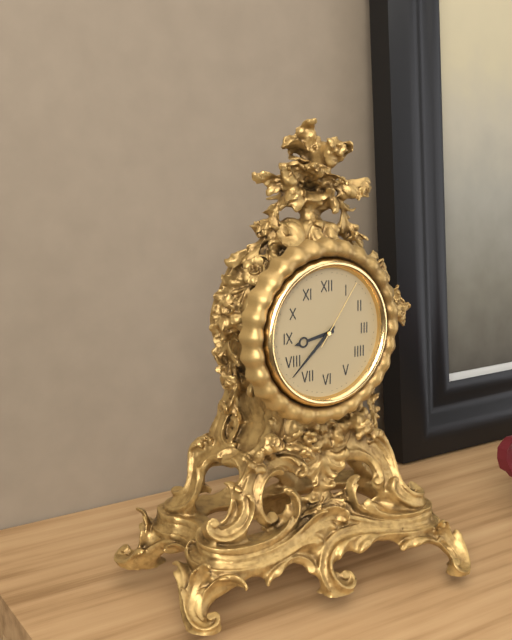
8:38:06
